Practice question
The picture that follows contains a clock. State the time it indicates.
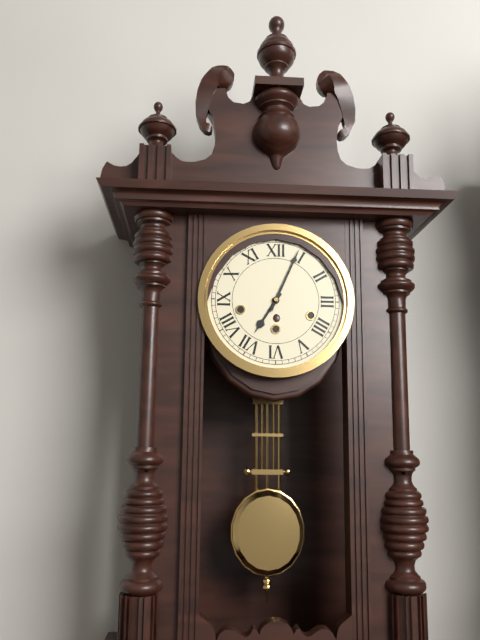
7:04
